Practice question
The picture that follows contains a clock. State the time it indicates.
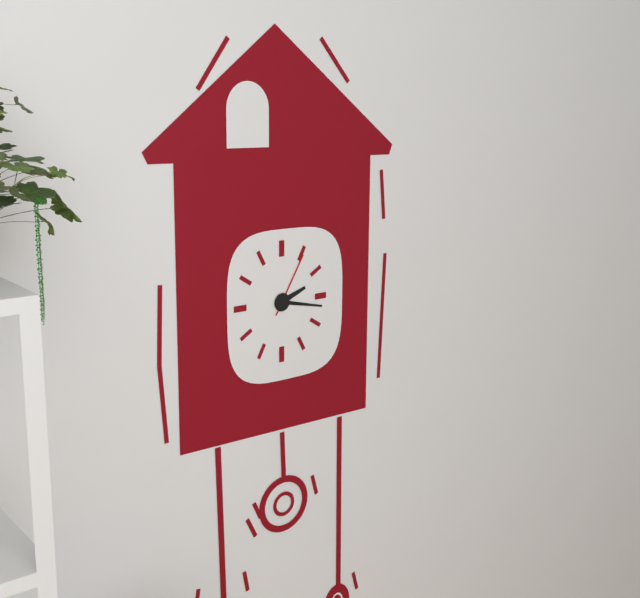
2:17:05
